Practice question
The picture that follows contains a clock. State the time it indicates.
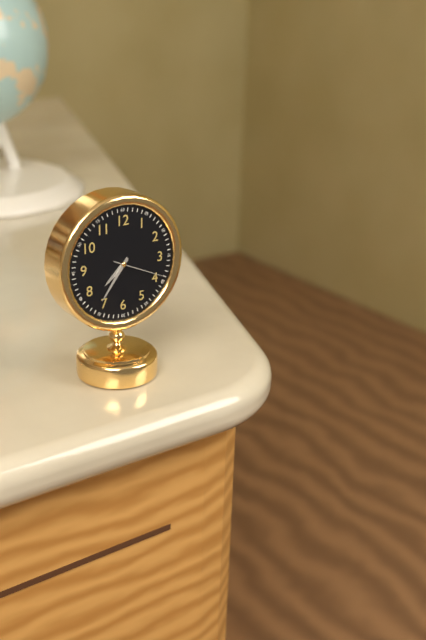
7:36:19
